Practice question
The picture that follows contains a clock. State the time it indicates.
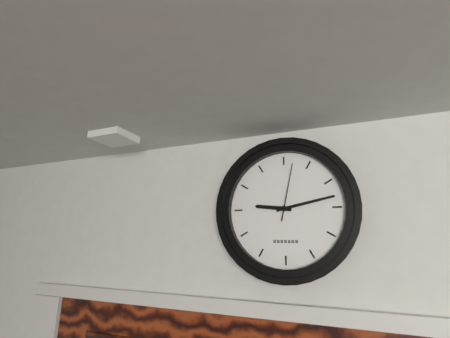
9:13:02
